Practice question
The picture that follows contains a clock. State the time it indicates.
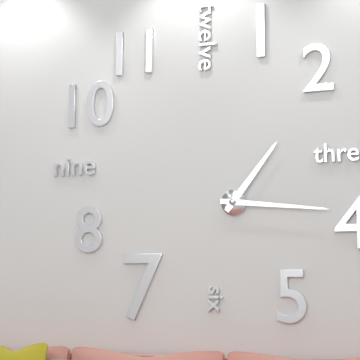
1:16
